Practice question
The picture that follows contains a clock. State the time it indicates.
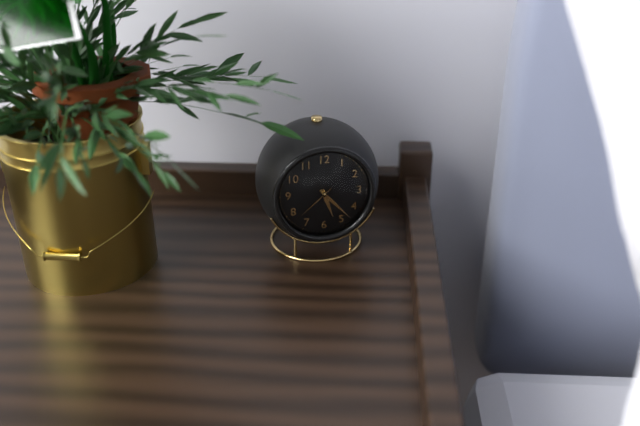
5:23
